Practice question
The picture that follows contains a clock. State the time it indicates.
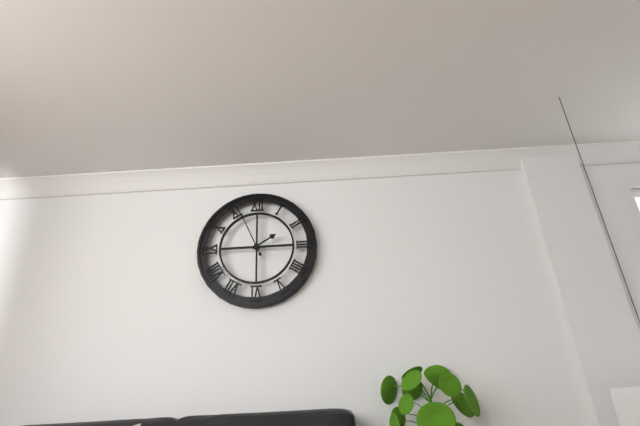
1:56
